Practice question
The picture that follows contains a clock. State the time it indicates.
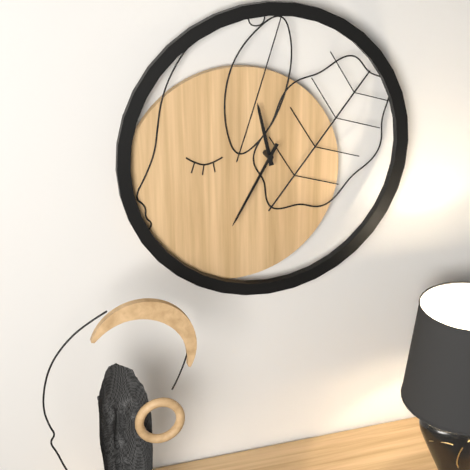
11:35
